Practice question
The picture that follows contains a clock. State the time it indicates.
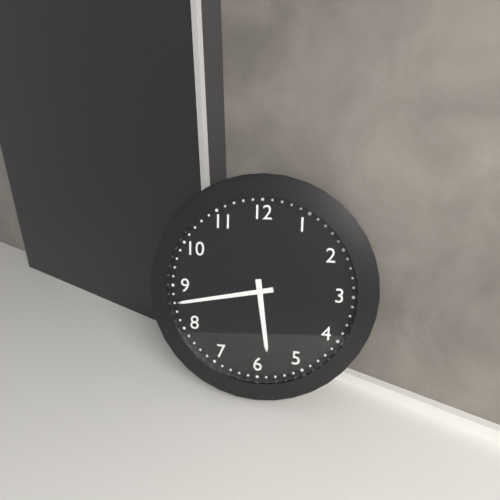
5:43
